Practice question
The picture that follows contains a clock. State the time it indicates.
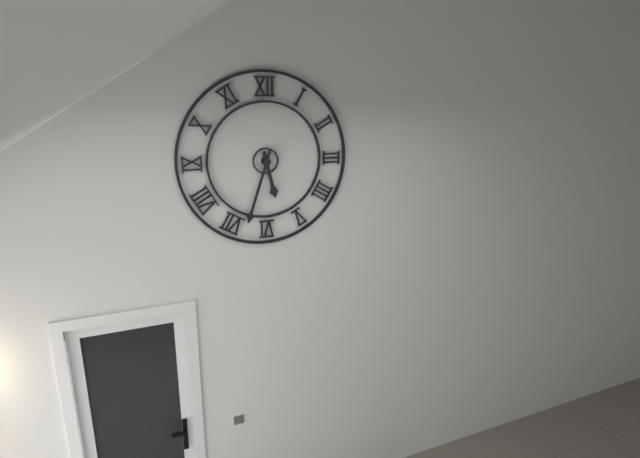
5:33
